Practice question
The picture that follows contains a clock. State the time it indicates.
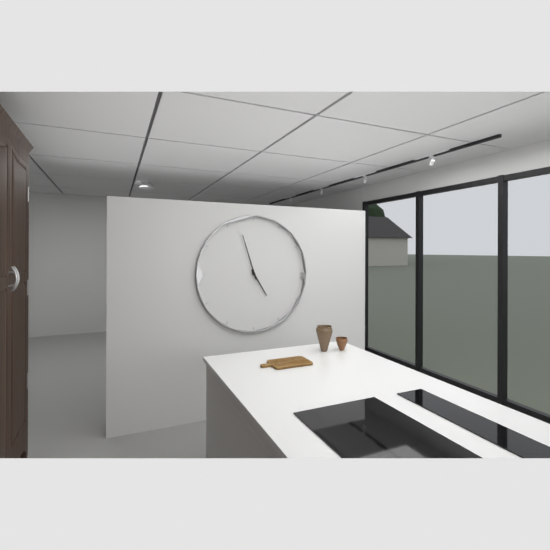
4:57
